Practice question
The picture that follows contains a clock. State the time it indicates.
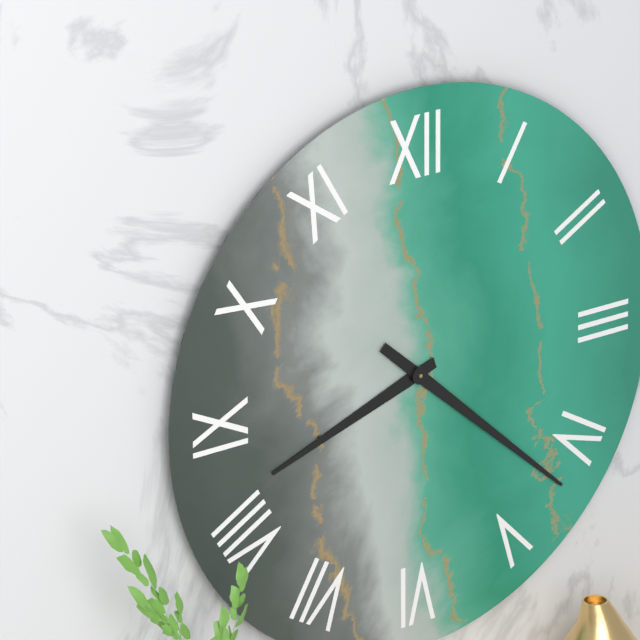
8:22
